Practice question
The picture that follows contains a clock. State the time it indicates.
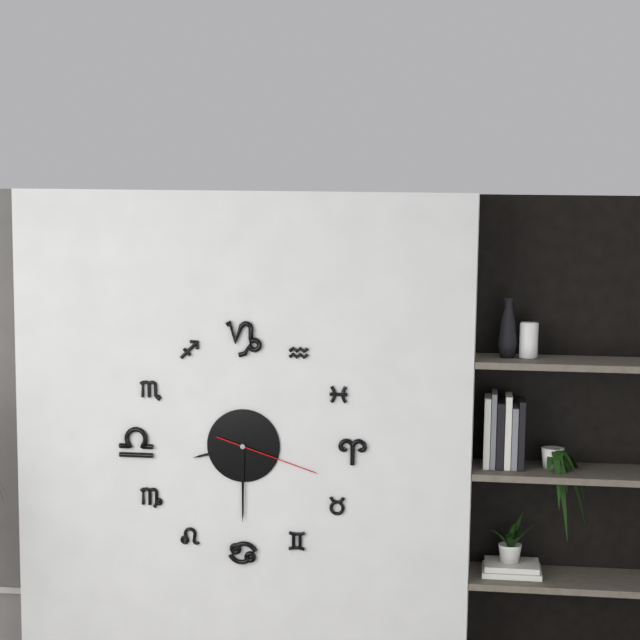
8:30:18
